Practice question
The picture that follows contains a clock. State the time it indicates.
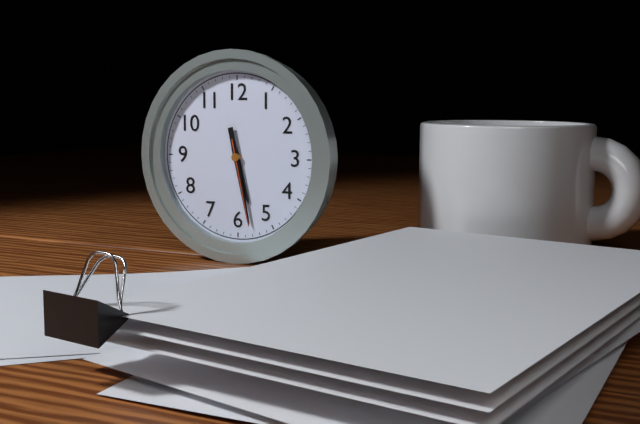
5:28:28
